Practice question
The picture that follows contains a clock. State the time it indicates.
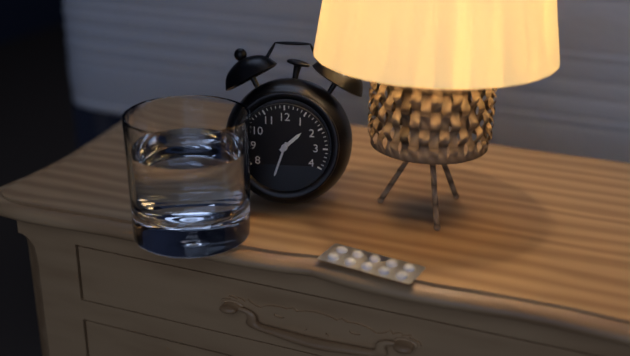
1:33
